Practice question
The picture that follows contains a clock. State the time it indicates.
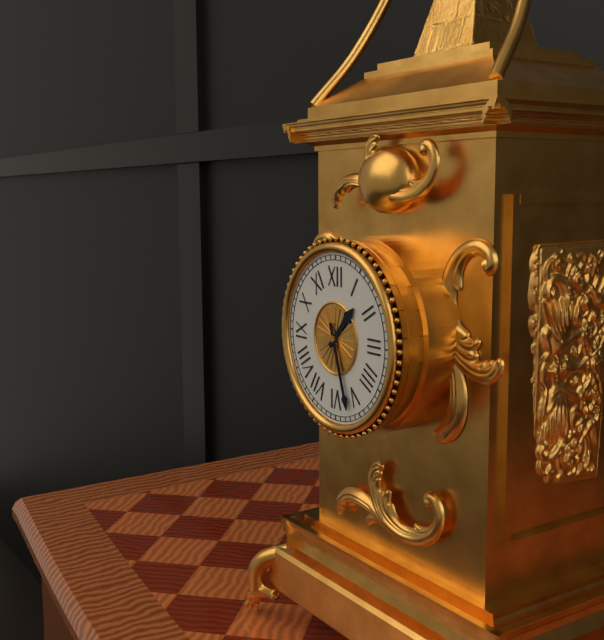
1:27
